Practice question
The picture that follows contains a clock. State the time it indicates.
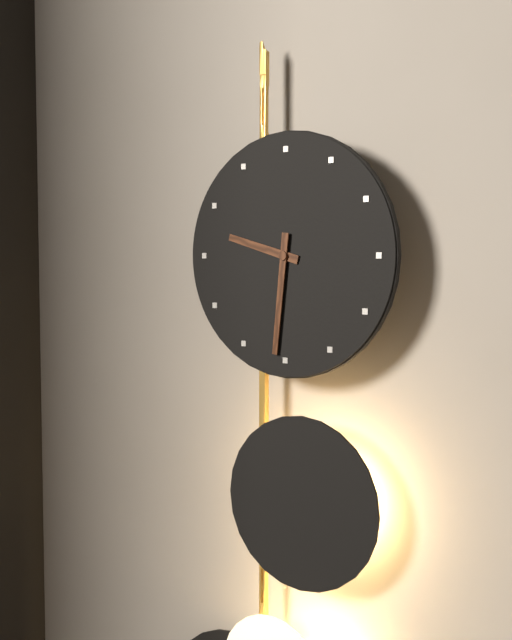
9:31
